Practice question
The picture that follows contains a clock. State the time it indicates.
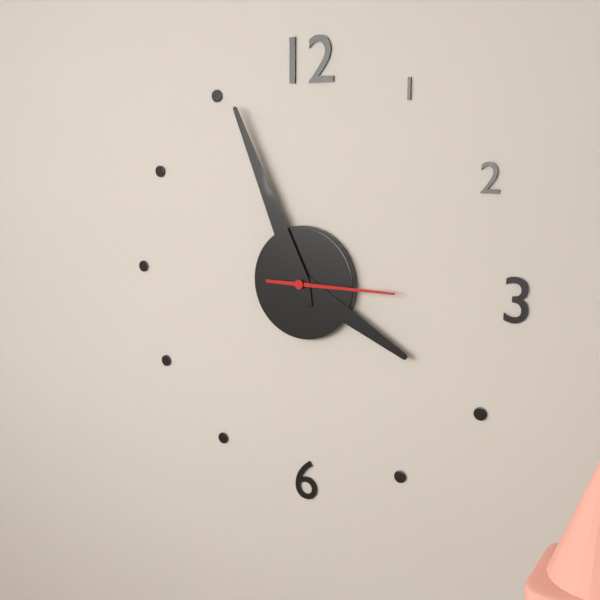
3:56:15
